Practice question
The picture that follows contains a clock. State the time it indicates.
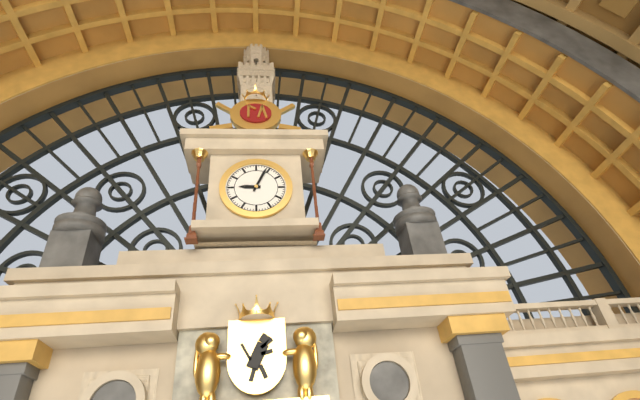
9:04
